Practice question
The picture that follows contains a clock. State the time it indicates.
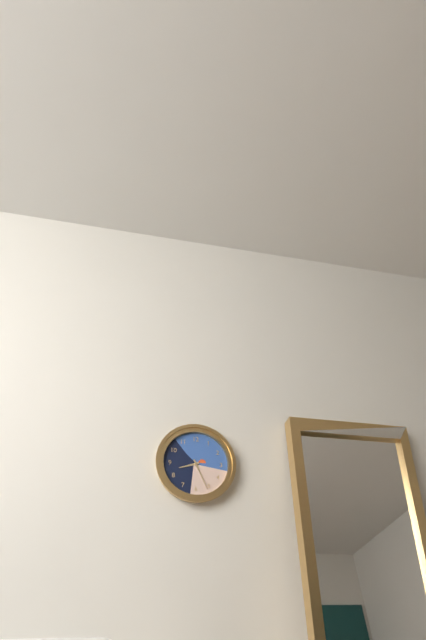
8:26
